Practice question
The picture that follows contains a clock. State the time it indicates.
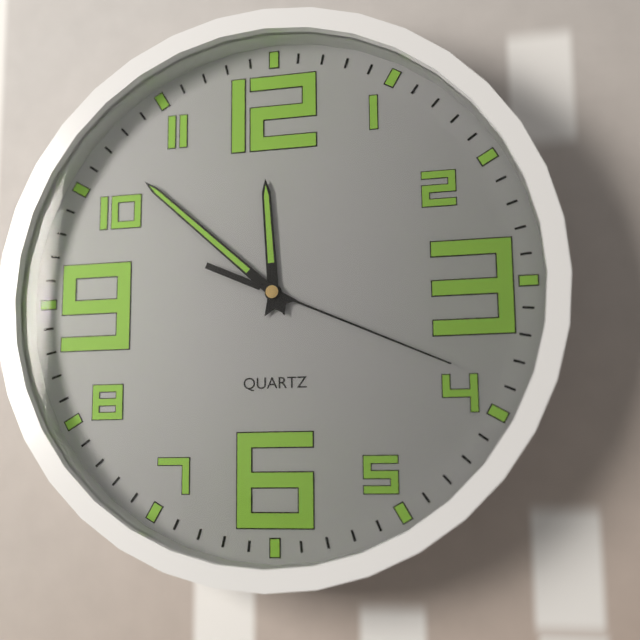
11:52:19
